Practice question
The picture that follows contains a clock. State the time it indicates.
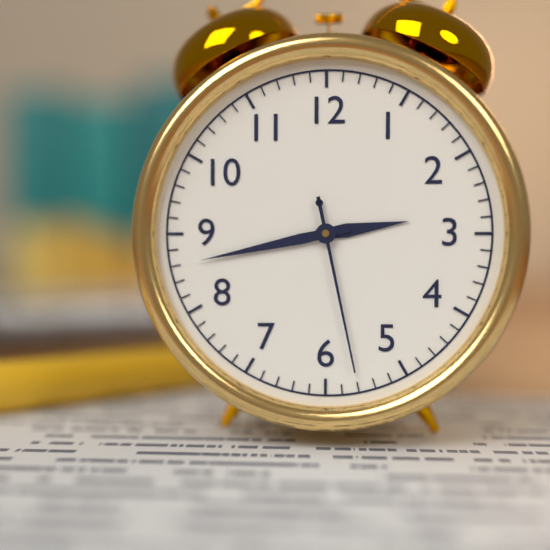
2:43:28
